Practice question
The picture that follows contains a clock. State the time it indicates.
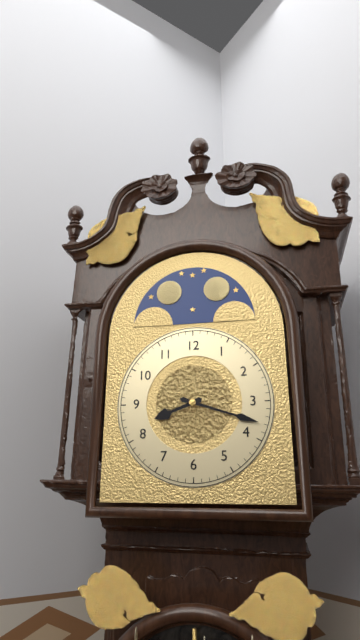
8:18
